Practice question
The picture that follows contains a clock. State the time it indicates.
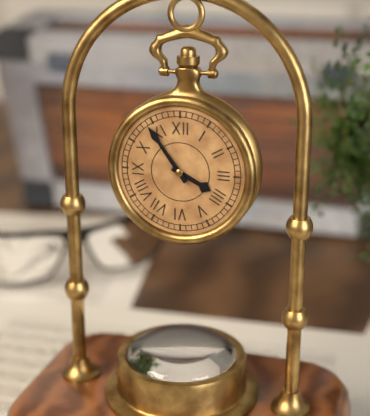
3:54
